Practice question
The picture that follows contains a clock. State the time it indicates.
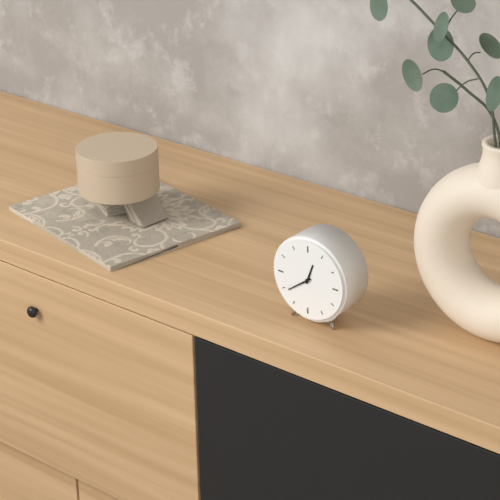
12:39
